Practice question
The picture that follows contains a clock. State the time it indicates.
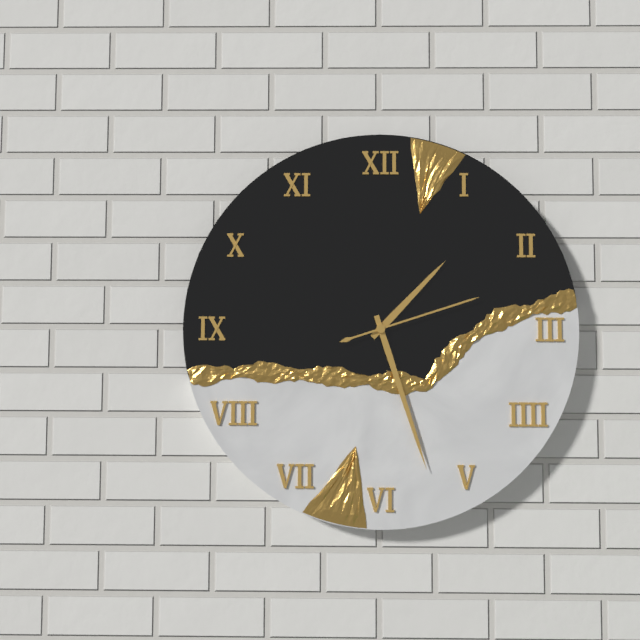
1:27:12
